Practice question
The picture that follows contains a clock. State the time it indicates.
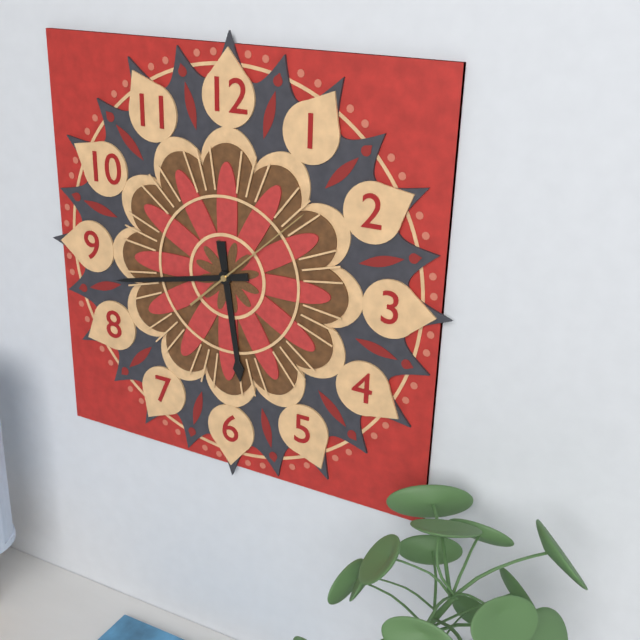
5:43:08
